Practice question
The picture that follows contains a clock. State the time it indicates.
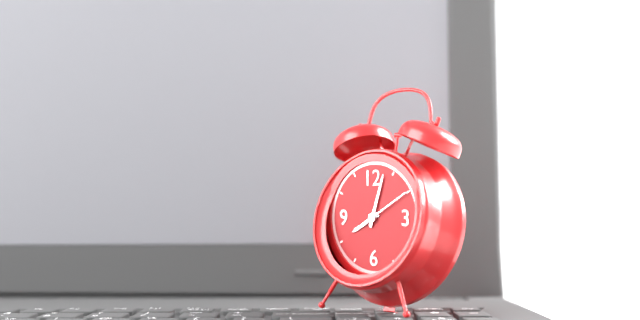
8:03:10
